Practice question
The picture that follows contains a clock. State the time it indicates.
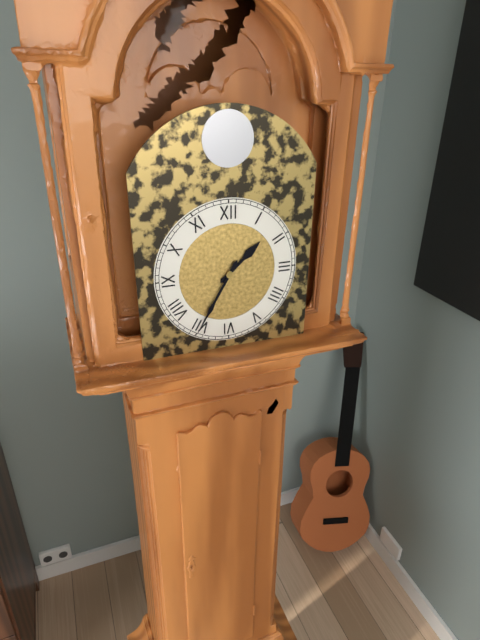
1:35
